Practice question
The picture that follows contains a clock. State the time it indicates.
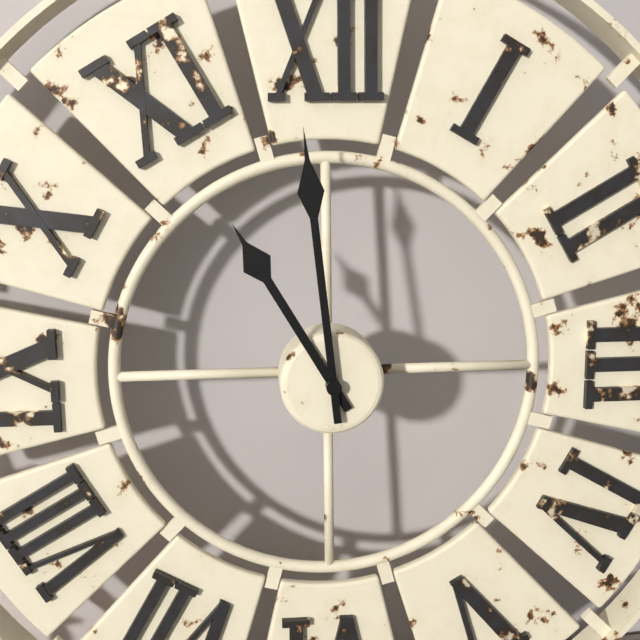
10:59
